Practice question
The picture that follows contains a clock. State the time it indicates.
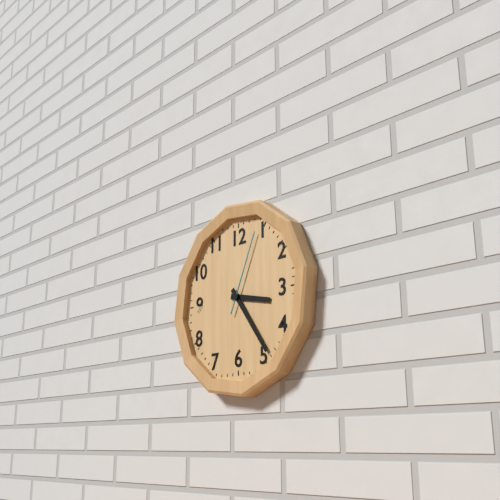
3:24:04
